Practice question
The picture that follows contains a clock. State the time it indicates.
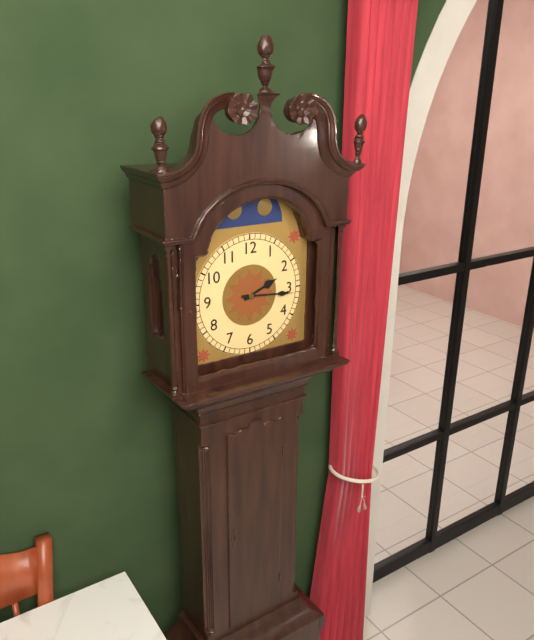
2:16
